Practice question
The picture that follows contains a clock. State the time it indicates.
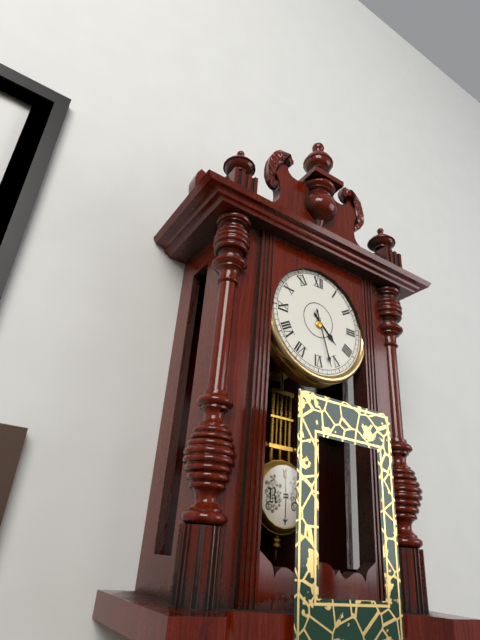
4:27
